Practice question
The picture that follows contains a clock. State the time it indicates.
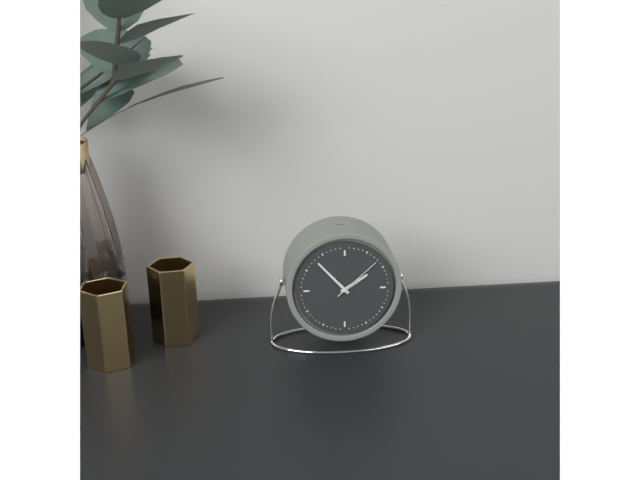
1:53:08
